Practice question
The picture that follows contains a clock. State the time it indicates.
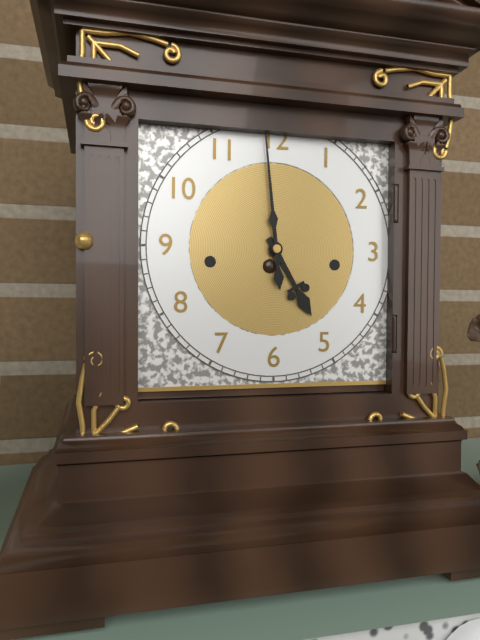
4:59
